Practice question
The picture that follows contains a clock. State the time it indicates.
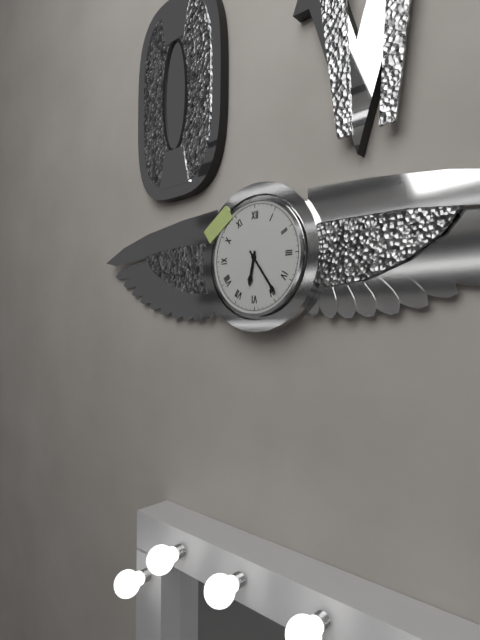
6:24
